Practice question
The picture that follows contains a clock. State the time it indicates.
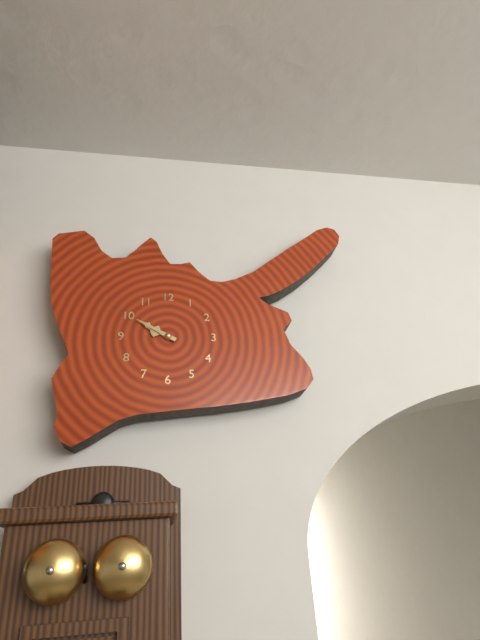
9:50
